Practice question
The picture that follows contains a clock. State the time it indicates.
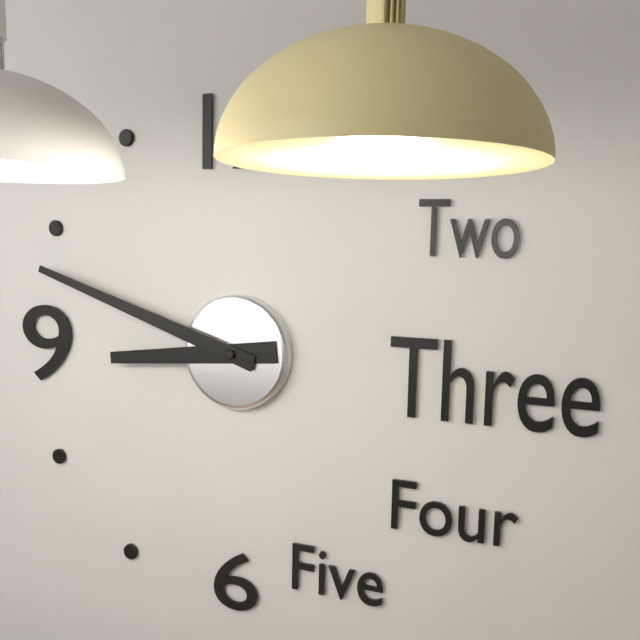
8:48
